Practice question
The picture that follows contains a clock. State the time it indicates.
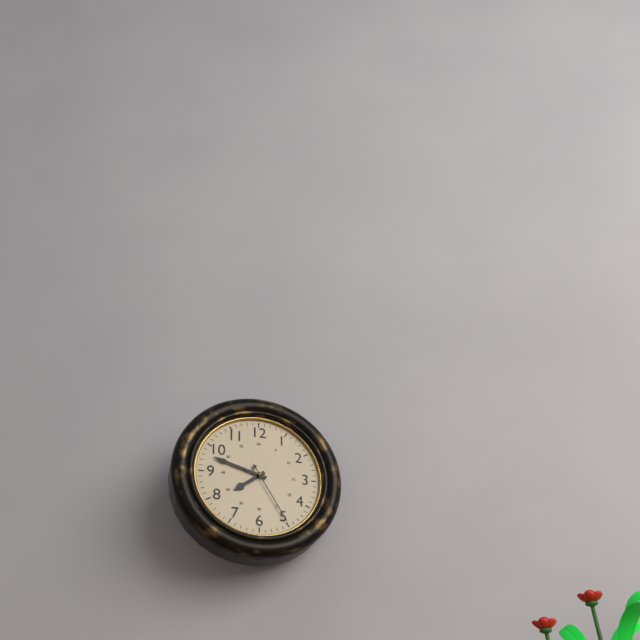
7:48:25
